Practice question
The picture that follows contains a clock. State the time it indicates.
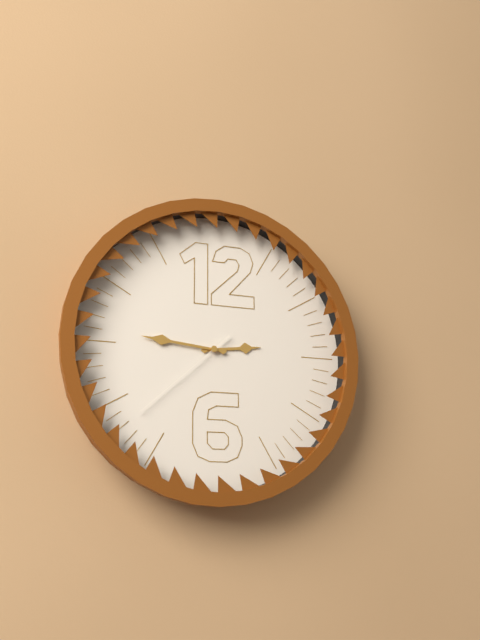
2:46:38
